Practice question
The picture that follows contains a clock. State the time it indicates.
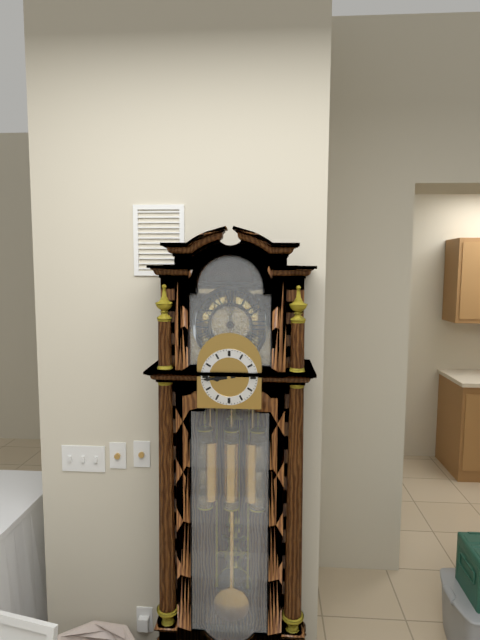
8:44
